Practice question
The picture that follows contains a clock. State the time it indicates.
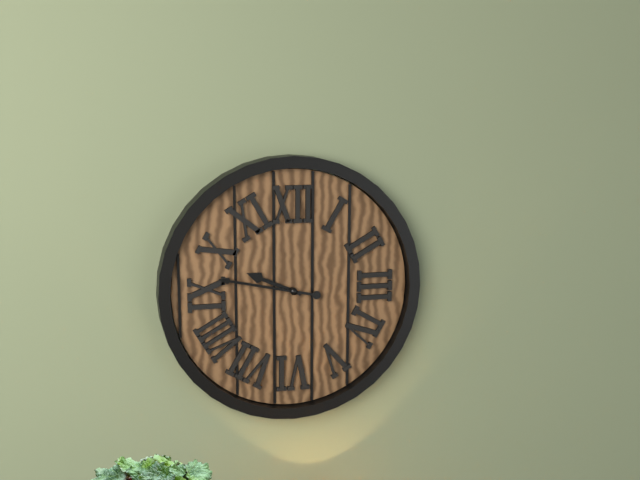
9:47
